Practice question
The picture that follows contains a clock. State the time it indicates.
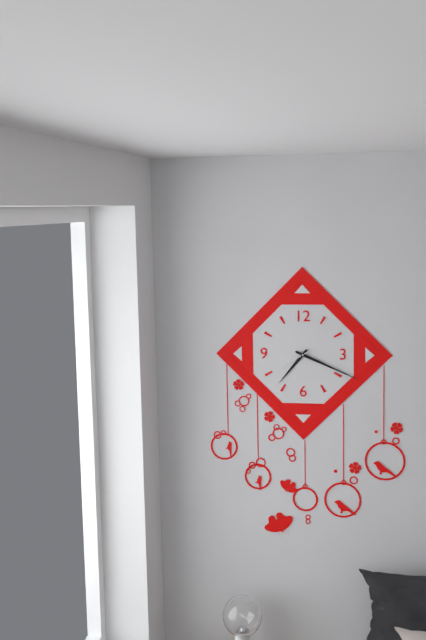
7:19
